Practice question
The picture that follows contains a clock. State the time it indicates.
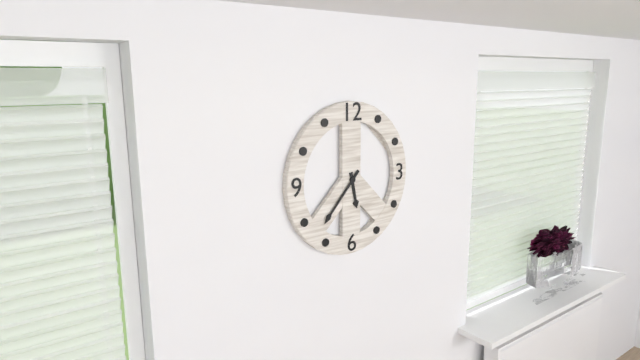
5:37
